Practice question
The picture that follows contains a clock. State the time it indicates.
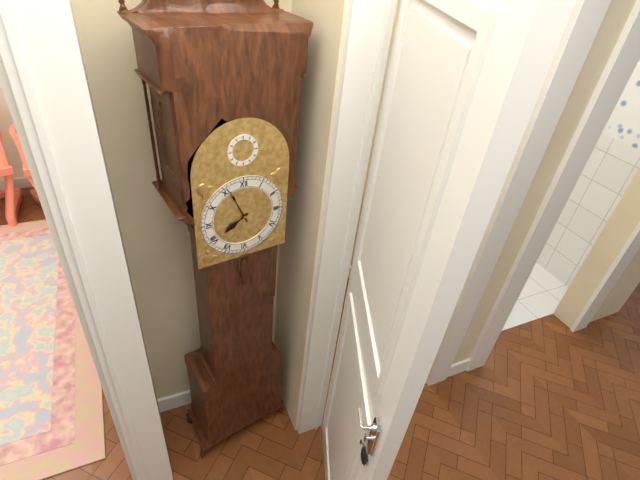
7:56
